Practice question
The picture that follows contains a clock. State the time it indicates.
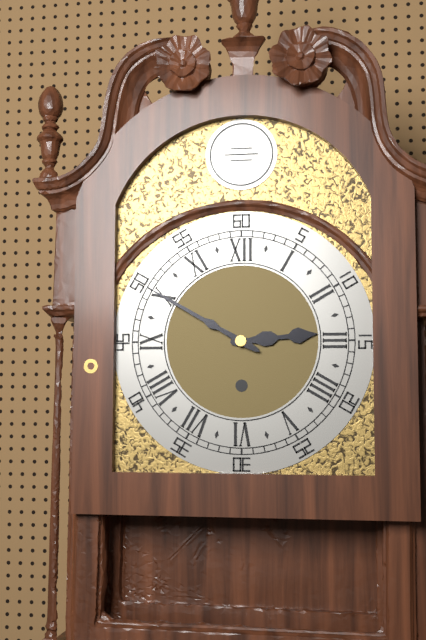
2:50
